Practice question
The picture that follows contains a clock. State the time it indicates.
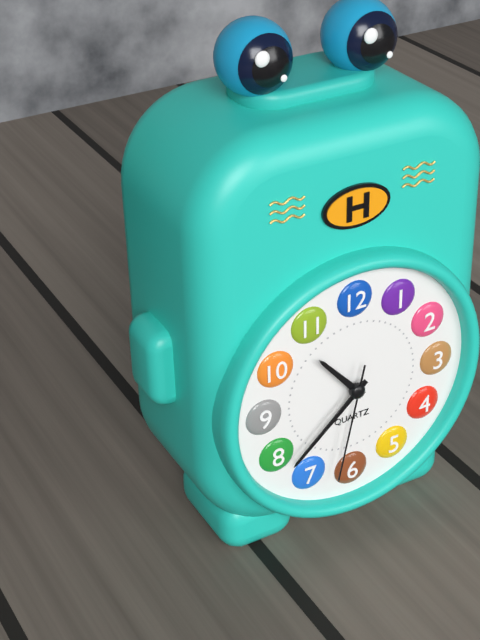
10:38:32
